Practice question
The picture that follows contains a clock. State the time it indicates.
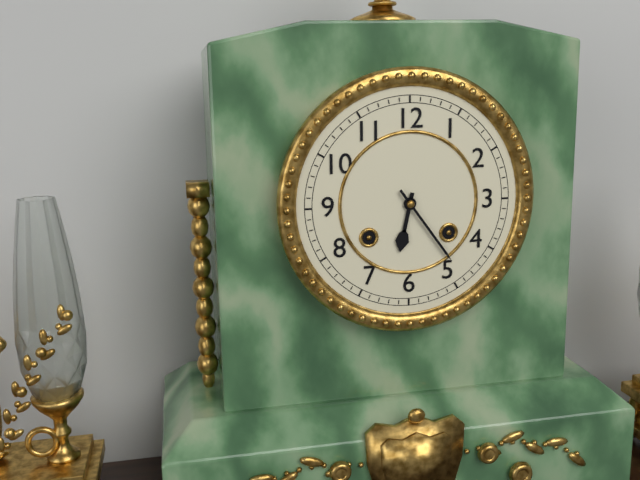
6:24
